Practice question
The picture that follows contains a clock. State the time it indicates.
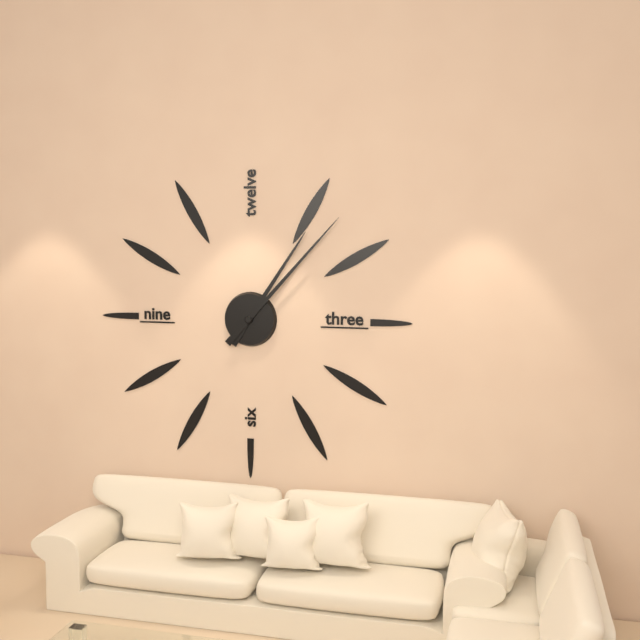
1:07
